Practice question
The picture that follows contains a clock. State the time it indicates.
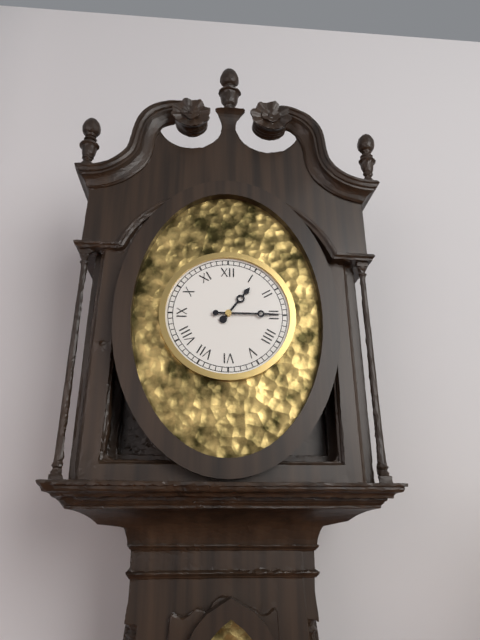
1:15
